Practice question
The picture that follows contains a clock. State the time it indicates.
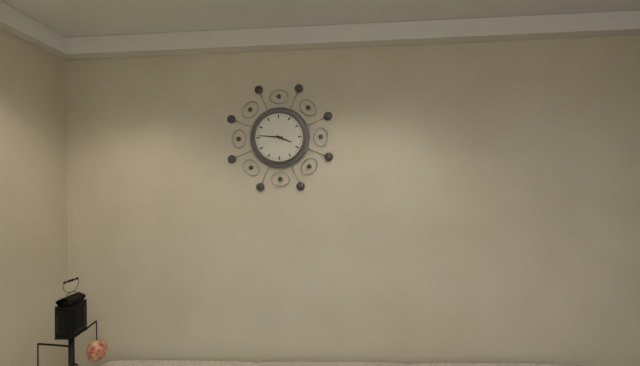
3:46
